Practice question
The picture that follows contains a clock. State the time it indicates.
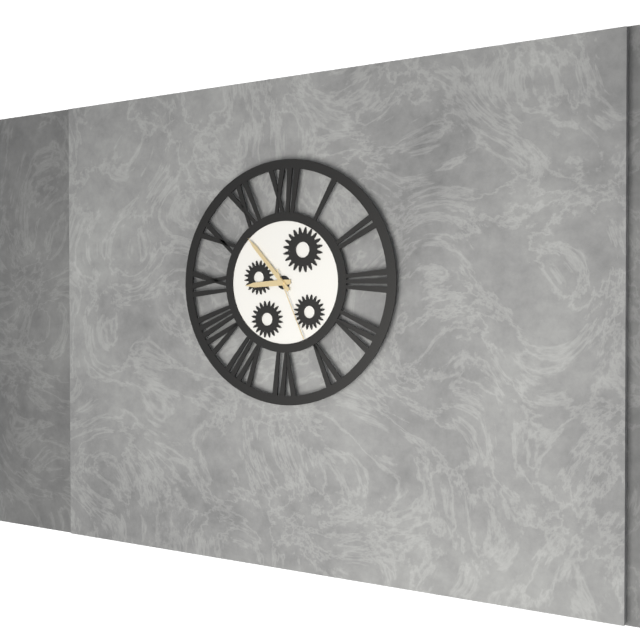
8:53:26
